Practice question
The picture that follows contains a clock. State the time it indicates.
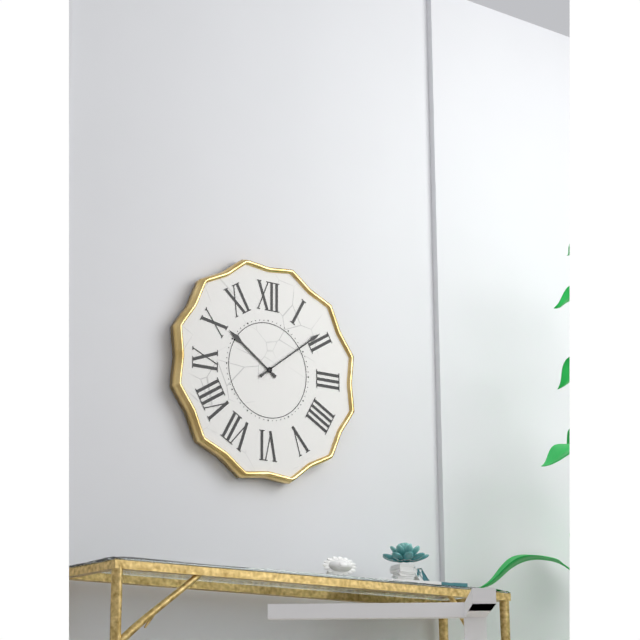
10:09
